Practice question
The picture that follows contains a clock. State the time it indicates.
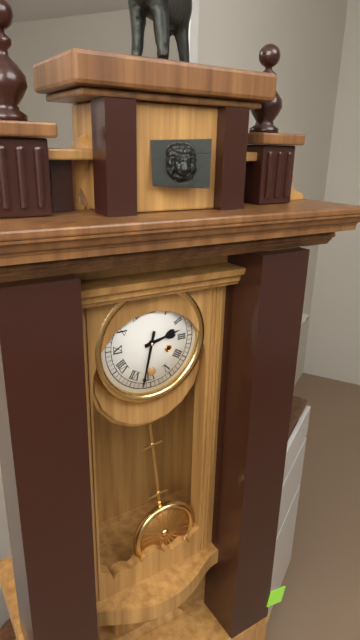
2:32
